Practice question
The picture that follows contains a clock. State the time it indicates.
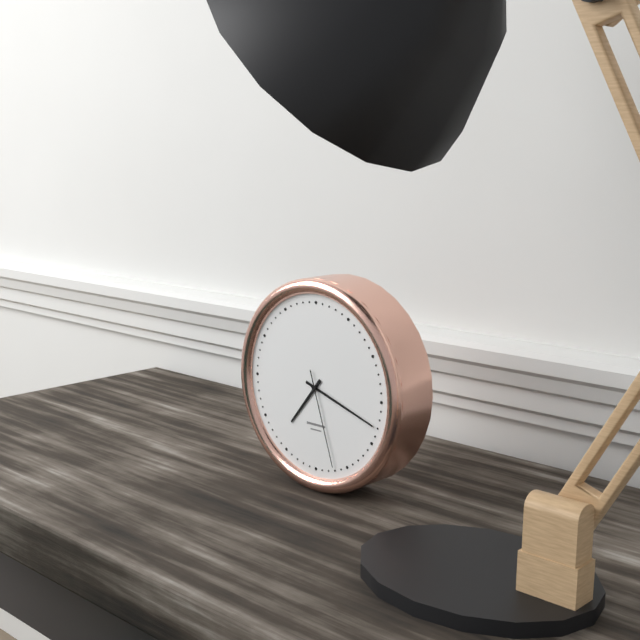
7:18:27
